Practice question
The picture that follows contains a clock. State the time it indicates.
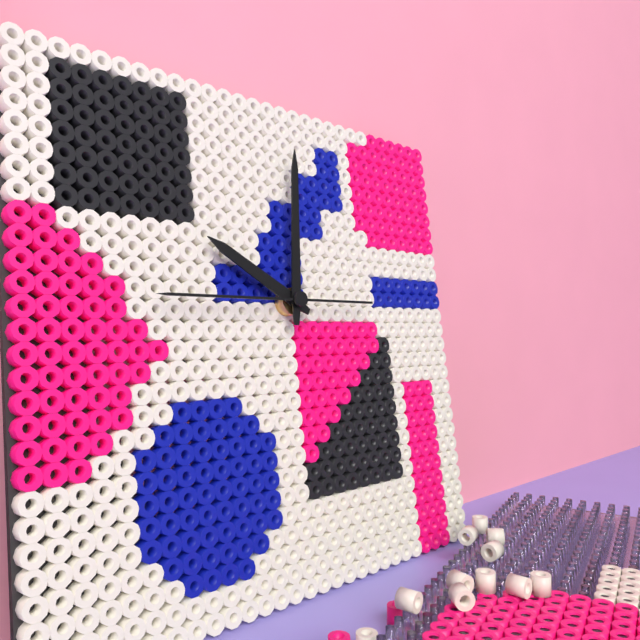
10:01:45
